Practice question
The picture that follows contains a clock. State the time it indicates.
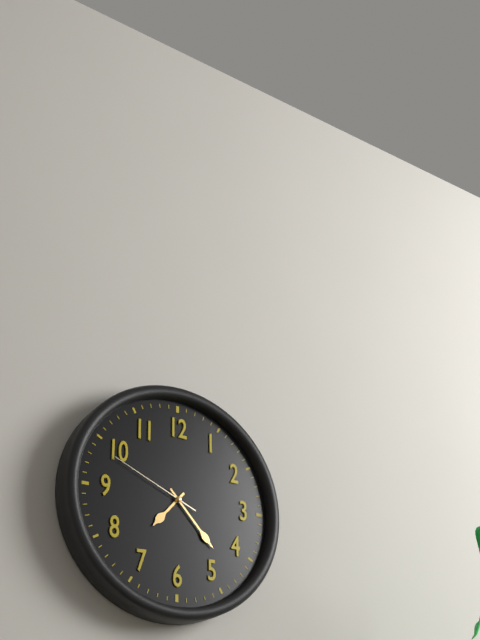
7:23:49
